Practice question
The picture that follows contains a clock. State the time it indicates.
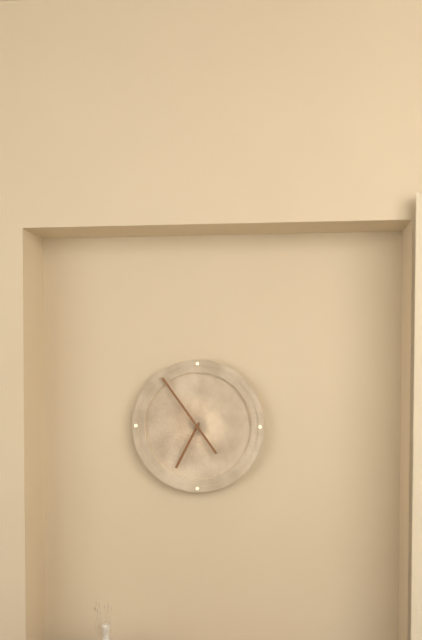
6:54
